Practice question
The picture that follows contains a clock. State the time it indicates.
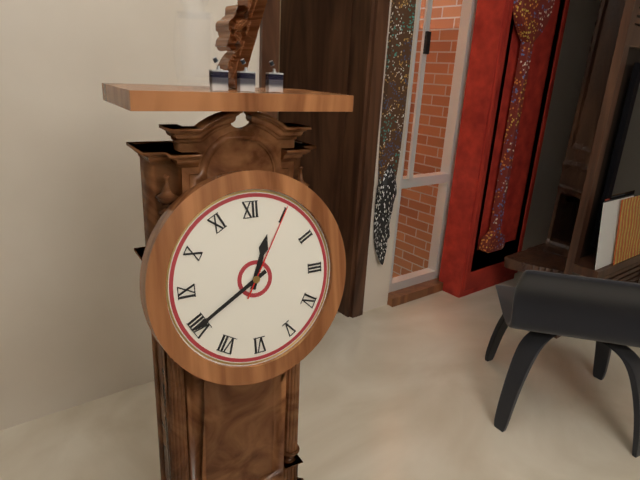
12:40:05
